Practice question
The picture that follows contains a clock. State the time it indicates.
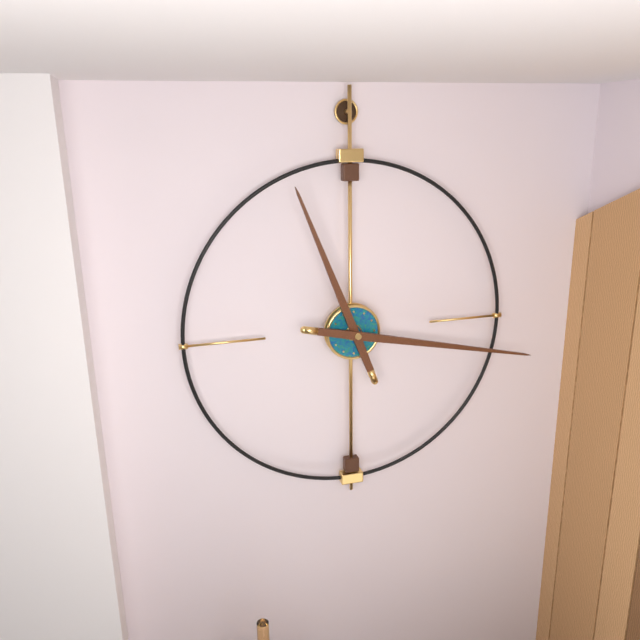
11:17
